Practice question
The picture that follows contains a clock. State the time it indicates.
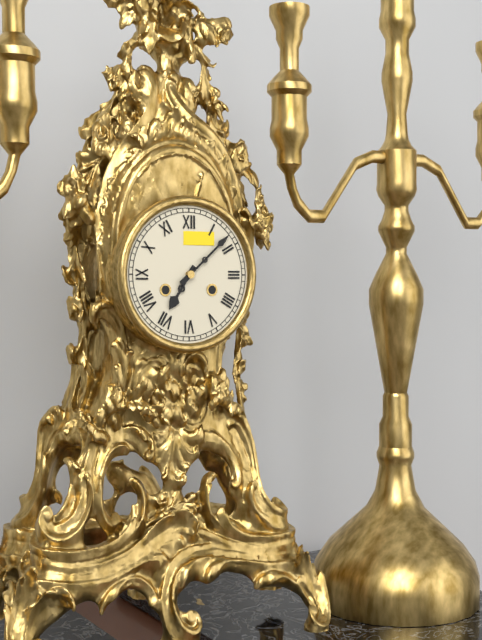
7:08
